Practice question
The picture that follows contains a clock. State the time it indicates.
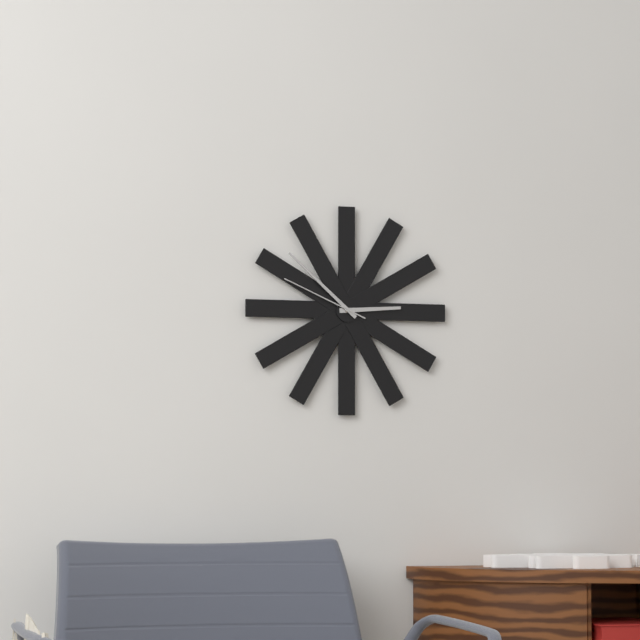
2:52:49
